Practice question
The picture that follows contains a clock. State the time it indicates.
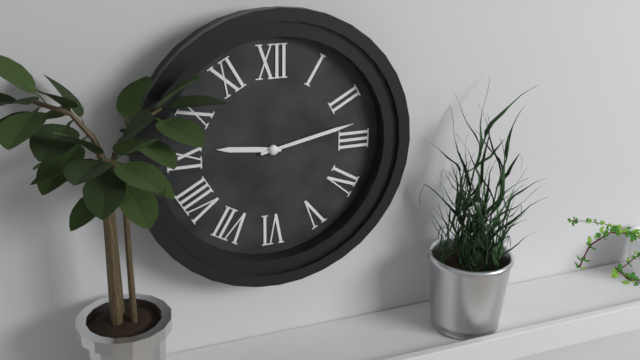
9:13
